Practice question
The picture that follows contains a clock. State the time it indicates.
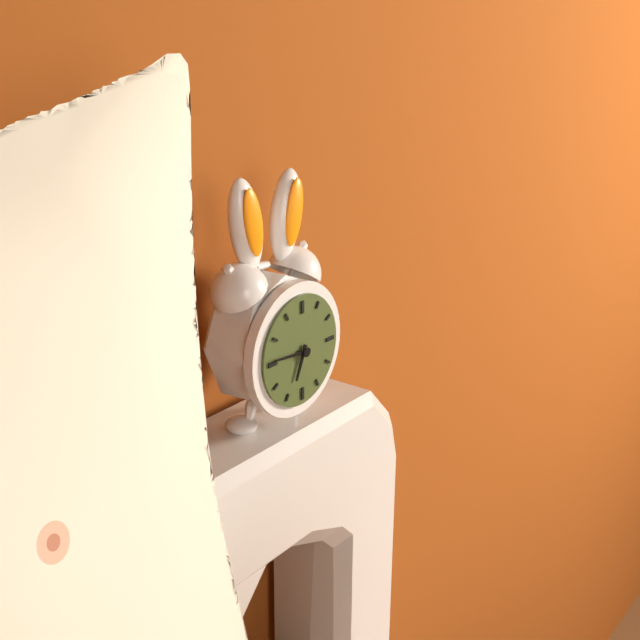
6:46
